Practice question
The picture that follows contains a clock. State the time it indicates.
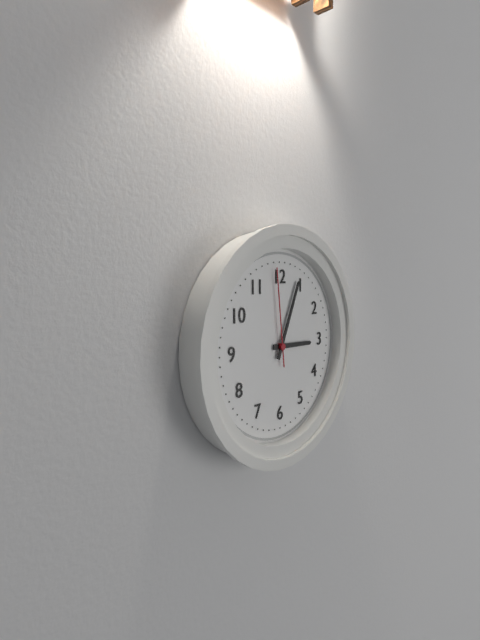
3:04:59
